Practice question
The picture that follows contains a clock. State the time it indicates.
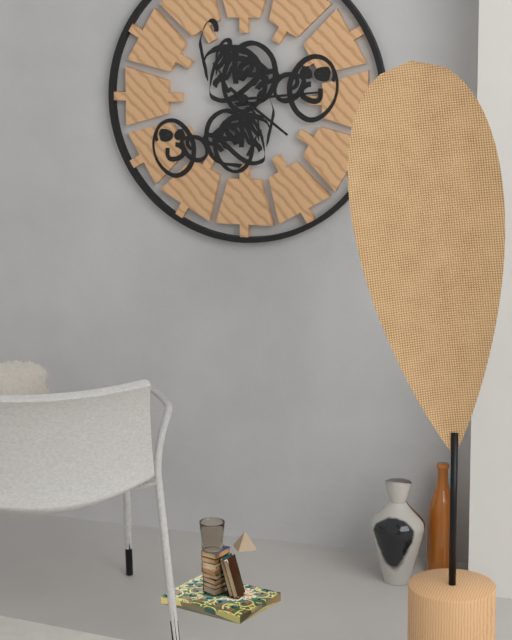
4:14
